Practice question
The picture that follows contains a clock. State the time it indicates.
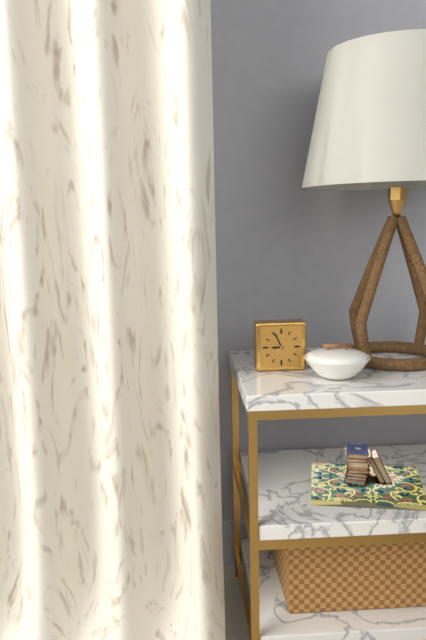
8:56
